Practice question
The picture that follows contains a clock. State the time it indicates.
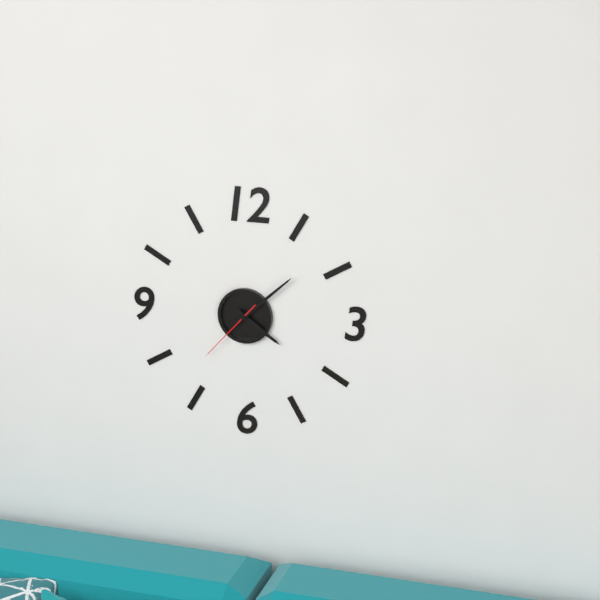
4:08:37
